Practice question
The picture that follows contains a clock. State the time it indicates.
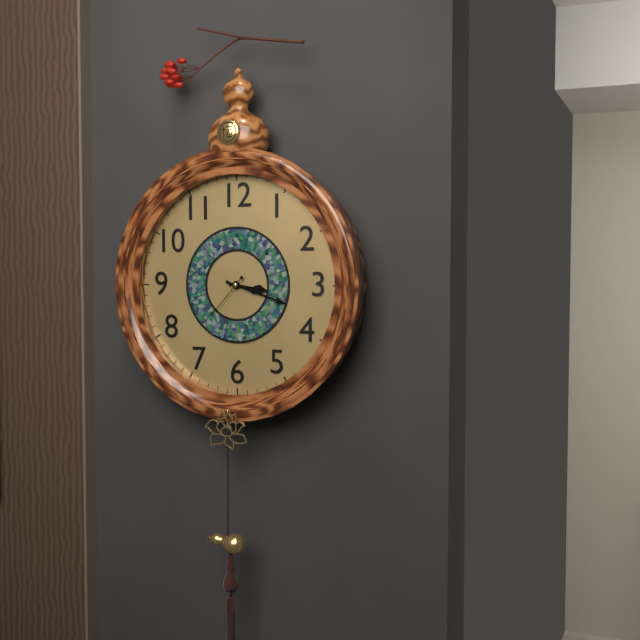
3:18:37
